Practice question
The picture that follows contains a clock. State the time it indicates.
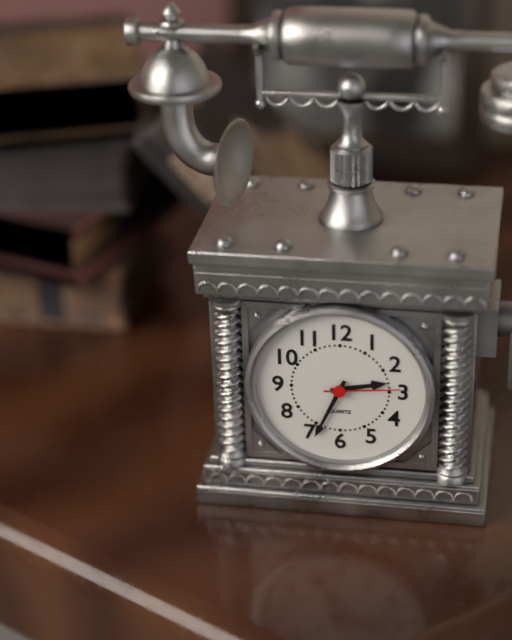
2:34:14
